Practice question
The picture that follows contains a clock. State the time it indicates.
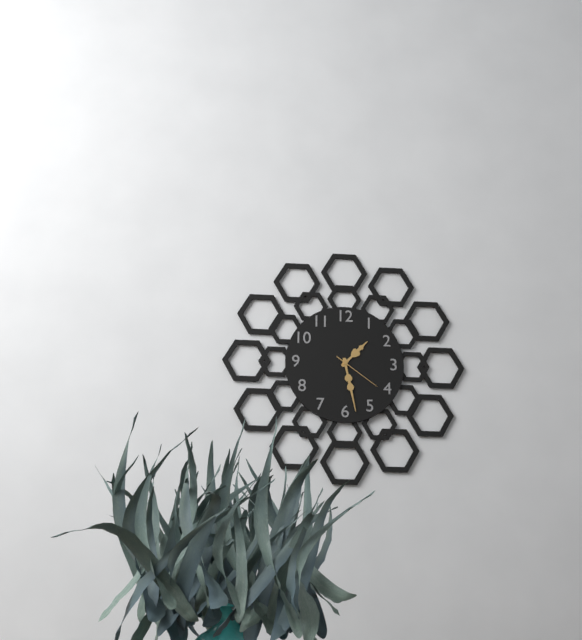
1:28:21
